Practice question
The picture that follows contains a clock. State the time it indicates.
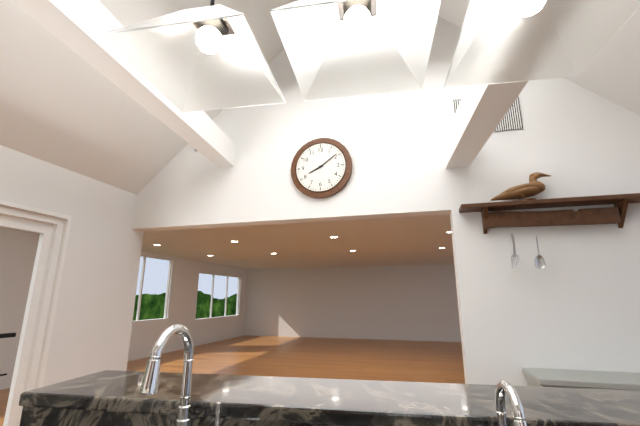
8:09
